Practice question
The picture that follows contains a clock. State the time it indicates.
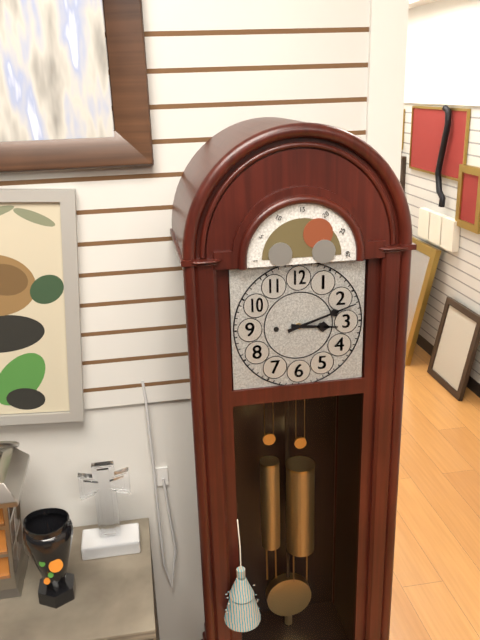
3:12
